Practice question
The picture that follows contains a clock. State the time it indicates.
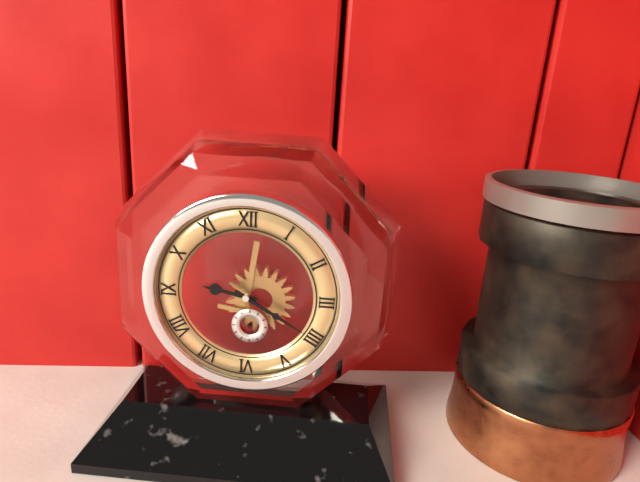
9:20
